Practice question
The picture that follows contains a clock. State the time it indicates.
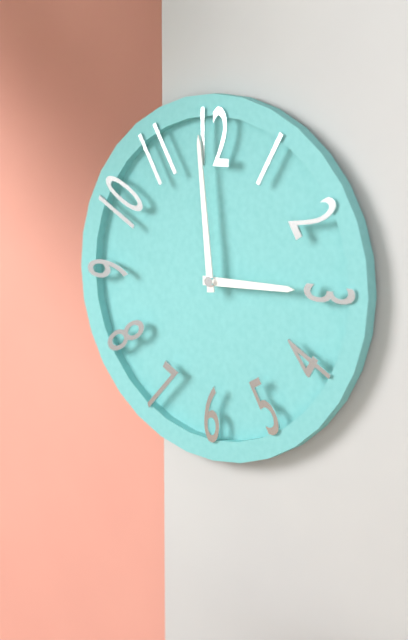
2:59
